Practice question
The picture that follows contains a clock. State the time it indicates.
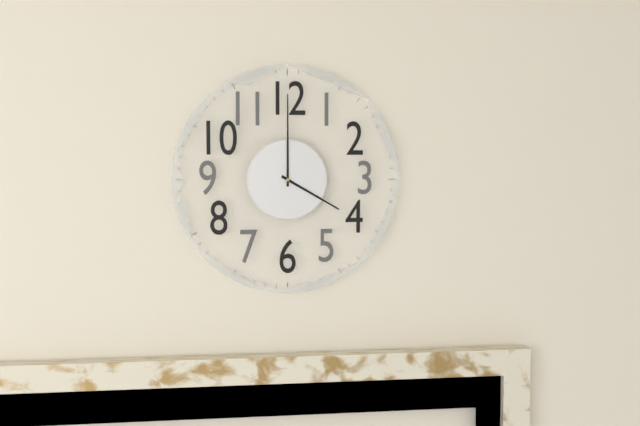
4:00
